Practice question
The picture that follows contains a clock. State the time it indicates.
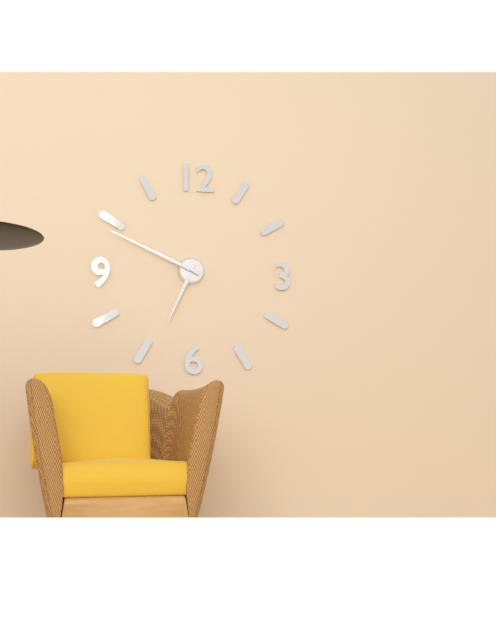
6:49
